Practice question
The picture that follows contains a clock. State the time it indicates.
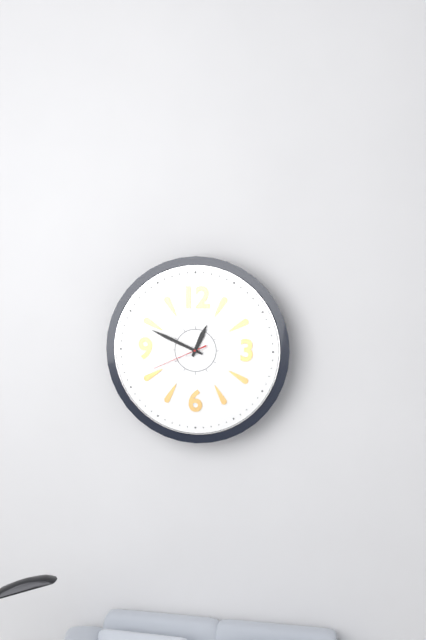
12:49:41
